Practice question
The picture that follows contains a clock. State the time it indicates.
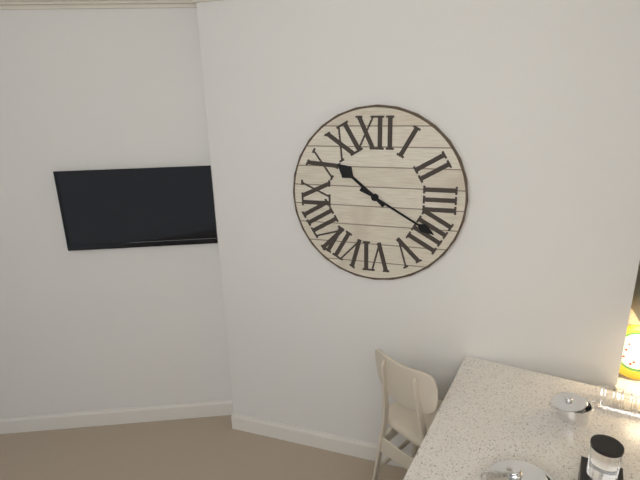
10:20
